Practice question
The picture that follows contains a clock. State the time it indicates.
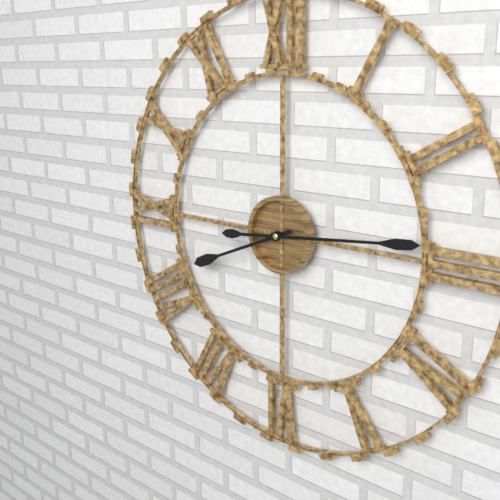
8:14
